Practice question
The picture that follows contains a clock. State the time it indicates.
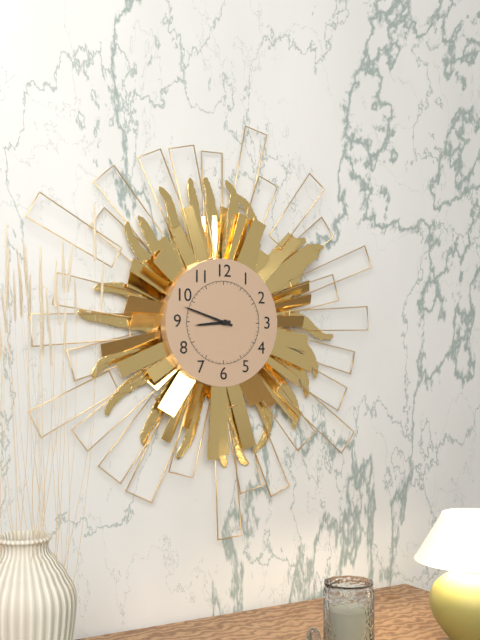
8:48
